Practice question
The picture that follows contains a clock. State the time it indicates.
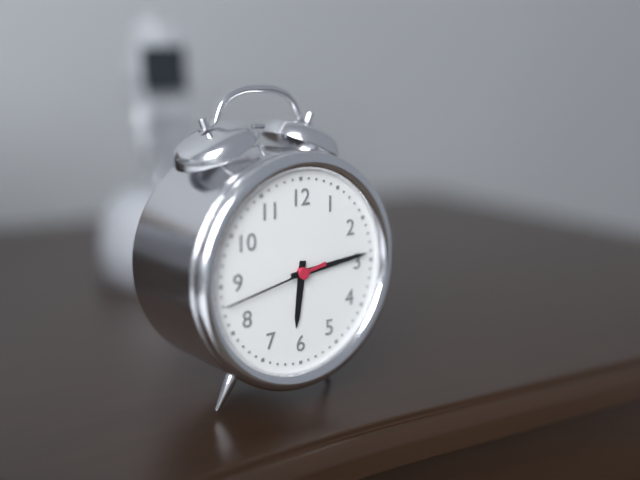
6:14:43
